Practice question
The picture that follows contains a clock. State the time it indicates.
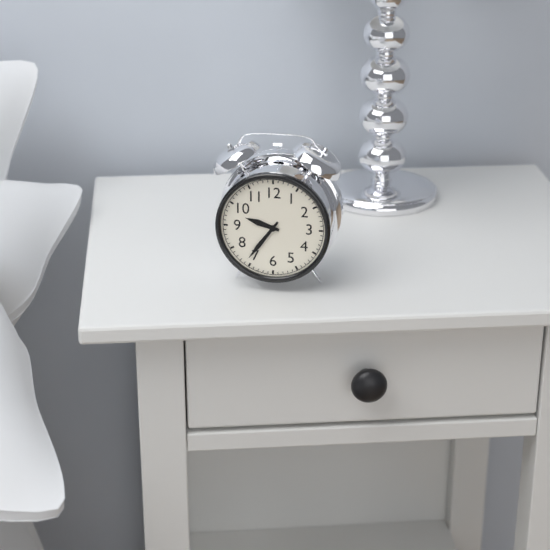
9:36
